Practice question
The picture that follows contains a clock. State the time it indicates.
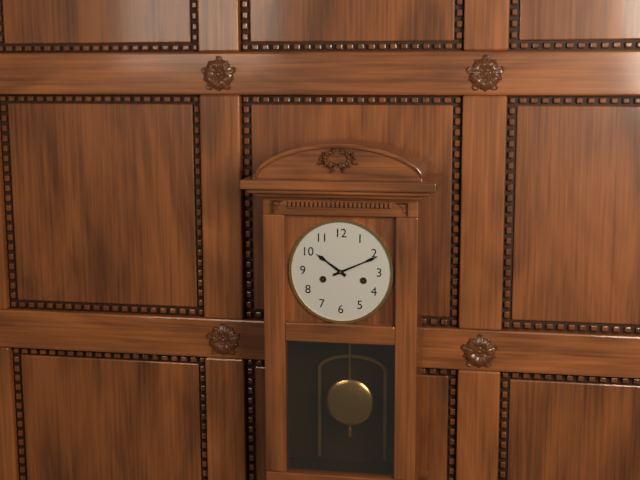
10:11
